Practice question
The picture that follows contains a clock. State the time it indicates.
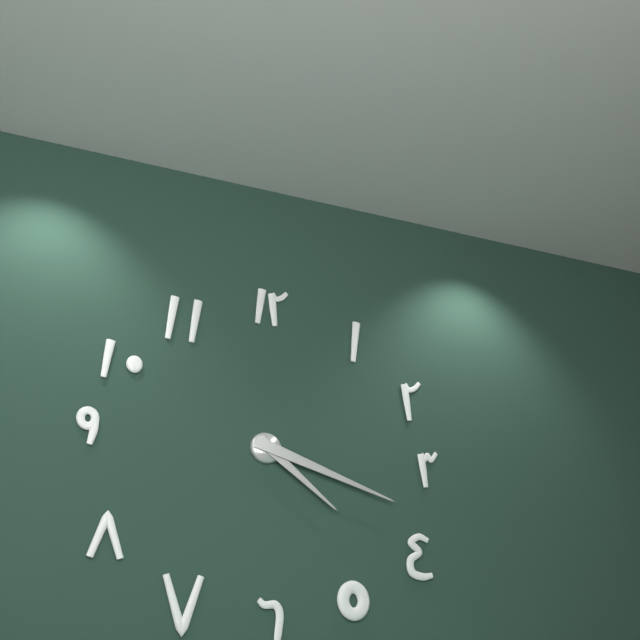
4:18
